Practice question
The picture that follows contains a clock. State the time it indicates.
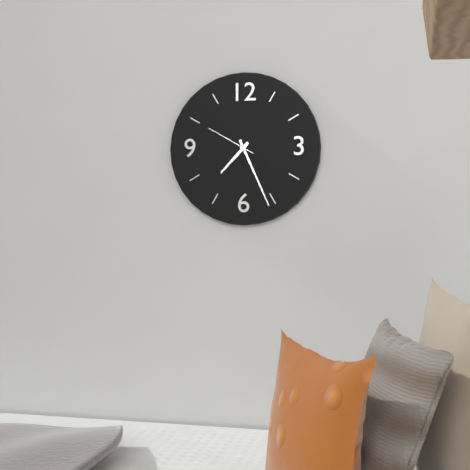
7:26:50
